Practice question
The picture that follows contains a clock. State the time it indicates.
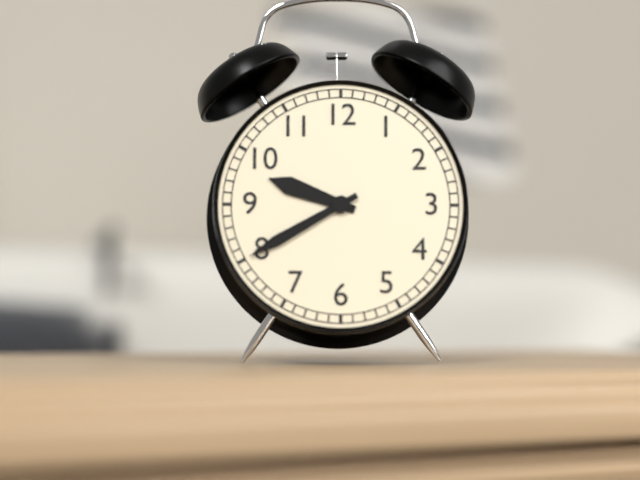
9:40
